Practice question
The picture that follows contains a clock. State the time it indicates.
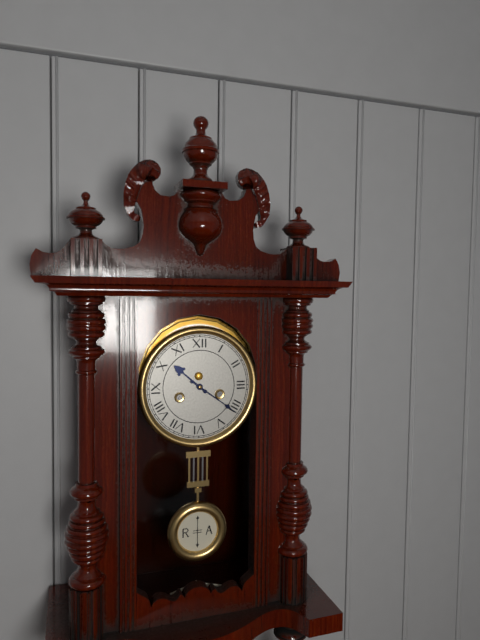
10:21
